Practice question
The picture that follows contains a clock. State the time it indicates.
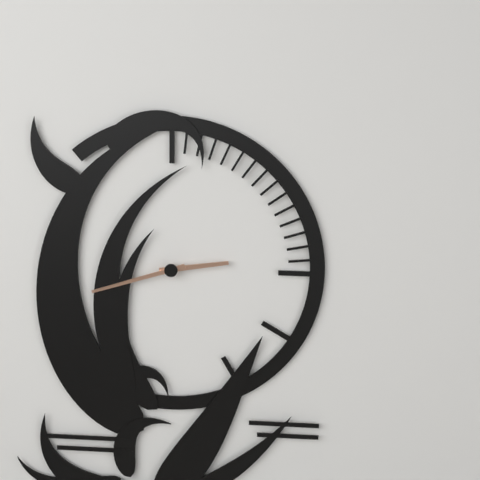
2:42
